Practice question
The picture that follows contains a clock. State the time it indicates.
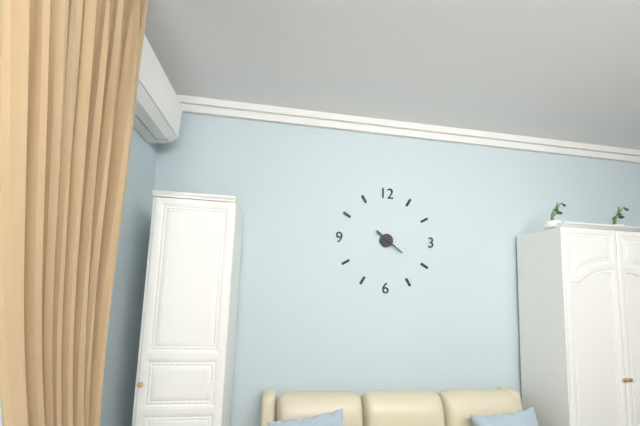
10:21
